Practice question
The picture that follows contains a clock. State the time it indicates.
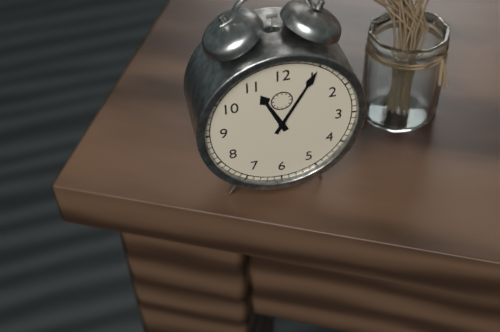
11:05
